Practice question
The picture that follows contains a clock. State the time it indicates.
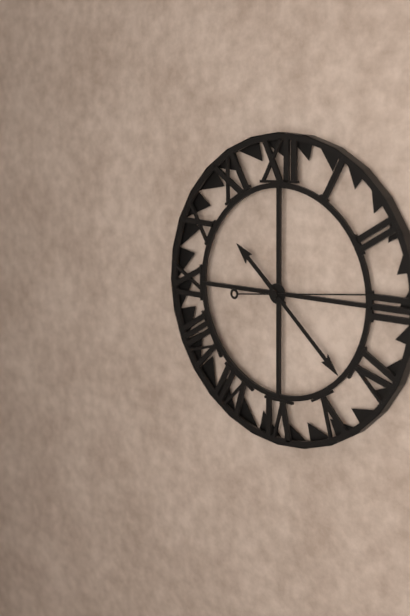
10:22:14
